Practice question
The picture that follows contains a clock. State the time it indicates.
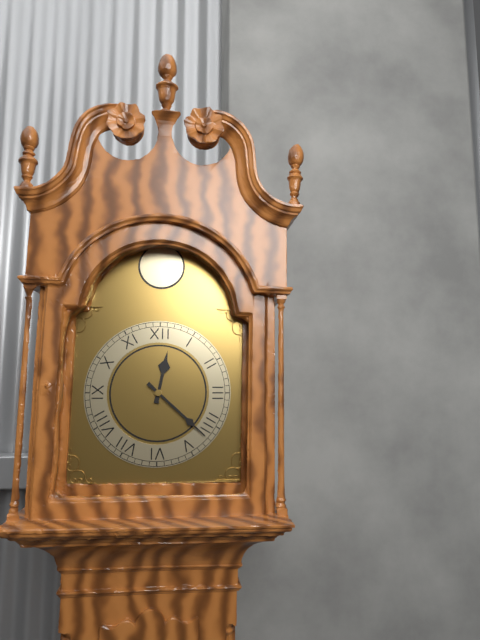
12:22
